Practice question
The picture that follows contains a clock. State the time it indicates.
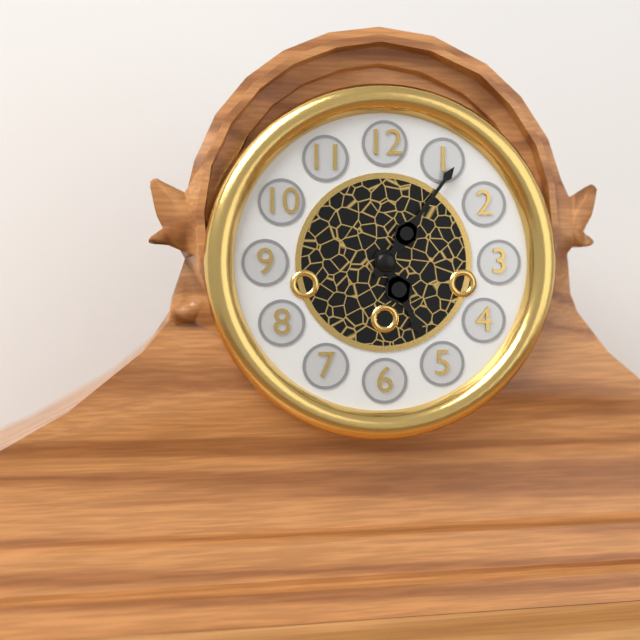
5:06
